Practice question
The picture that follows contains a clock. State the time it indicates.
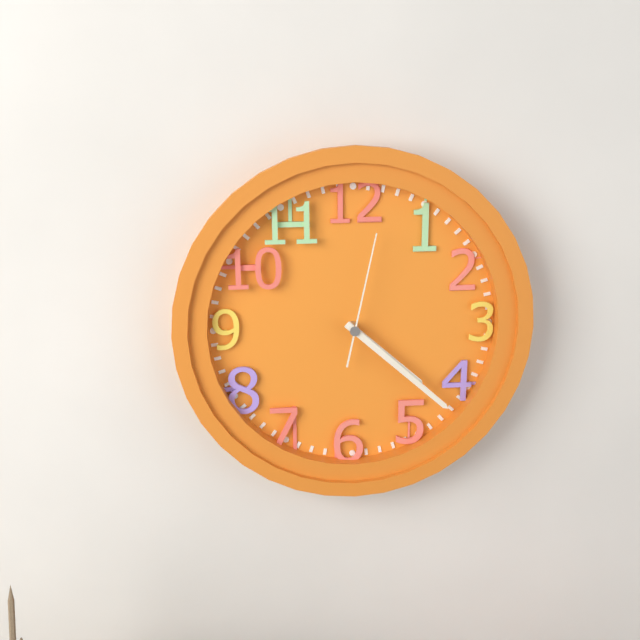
4:22:02
